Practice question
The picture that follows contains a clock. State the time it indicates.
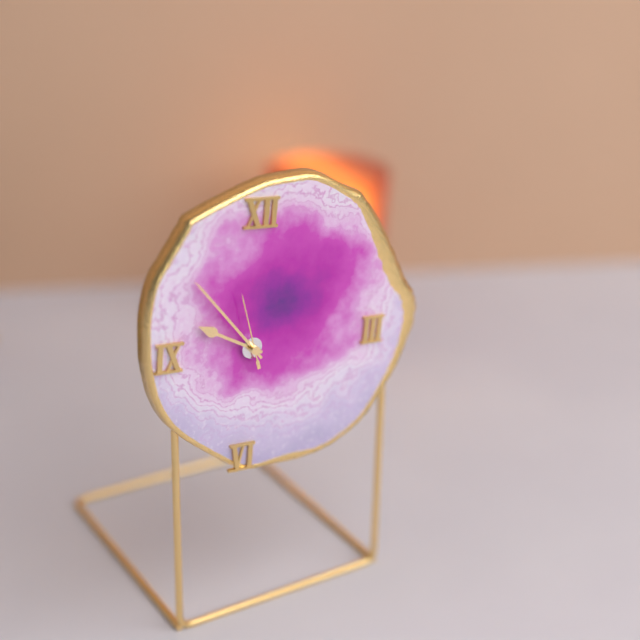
9:53:57
